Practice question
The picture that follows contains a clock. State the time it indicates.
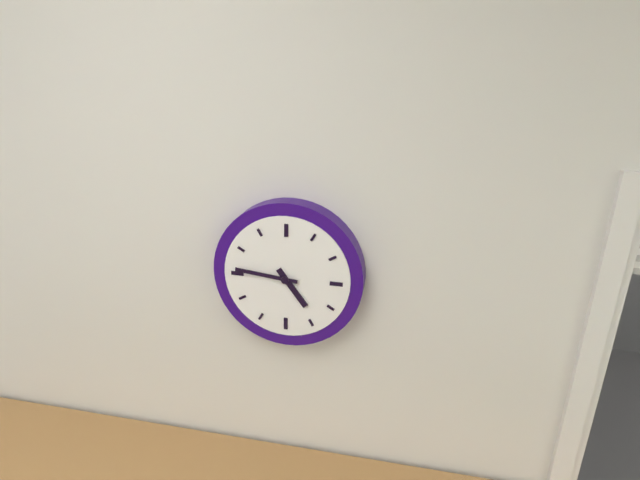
4:46
